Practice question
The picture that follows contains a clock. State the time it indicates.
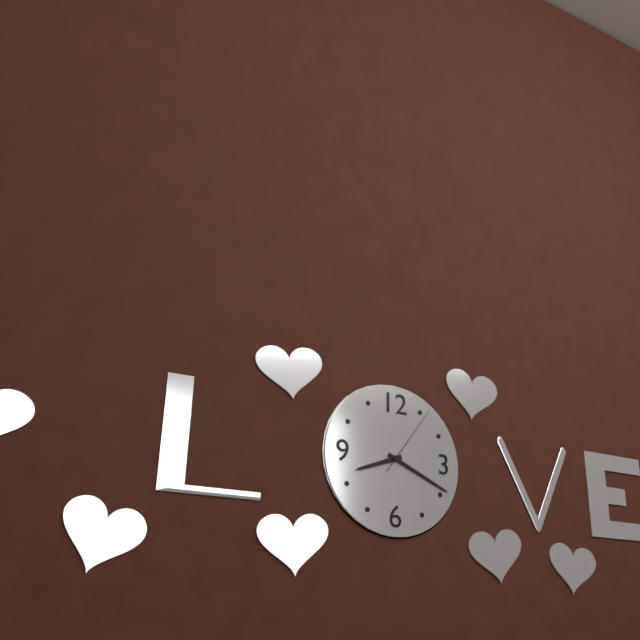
8:19:06
